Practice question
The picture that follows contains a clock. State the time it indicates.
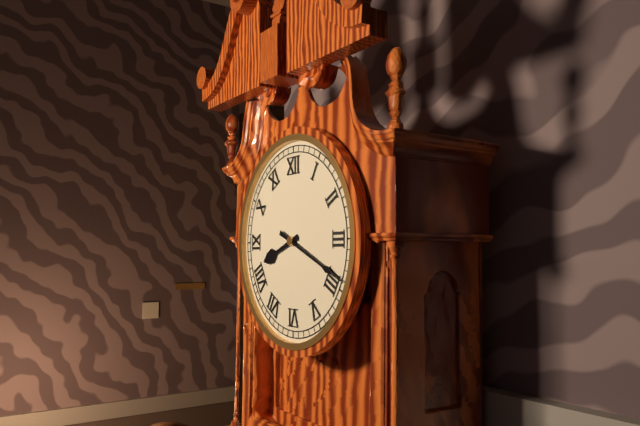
8:19
